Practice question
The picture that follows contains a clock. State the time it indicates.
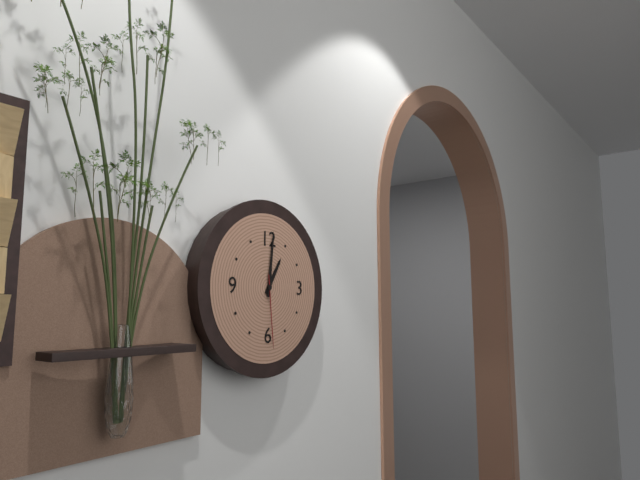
1:01:29
